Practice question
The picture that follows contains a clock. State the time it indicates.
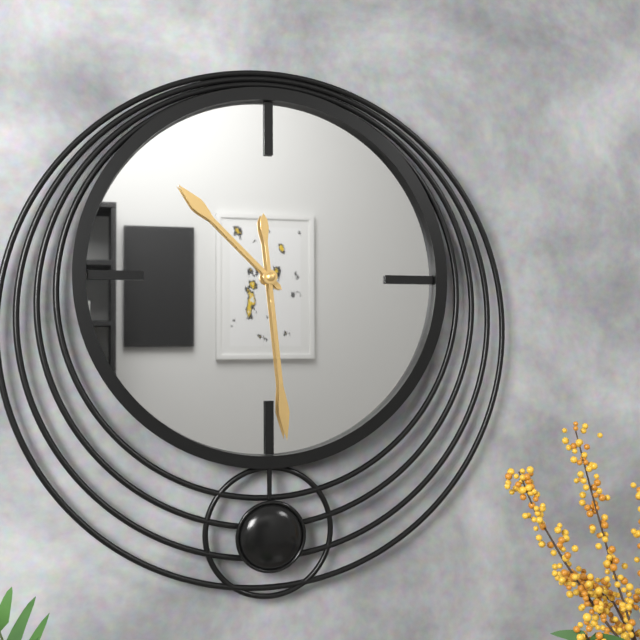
10:29
